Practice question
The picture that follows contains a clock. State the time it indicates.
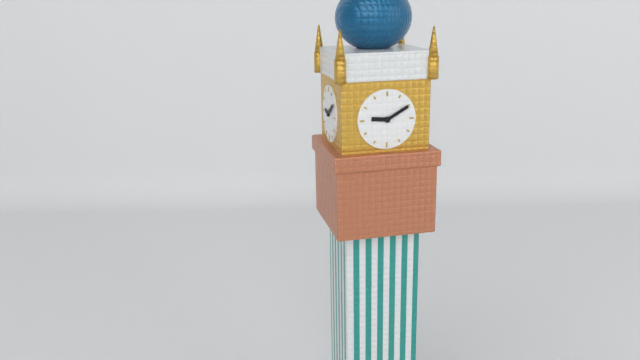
9:10
